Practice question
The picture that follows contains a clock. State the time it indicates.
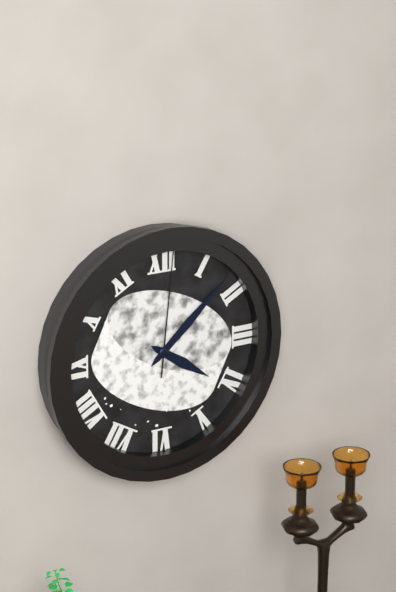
4:08:01
